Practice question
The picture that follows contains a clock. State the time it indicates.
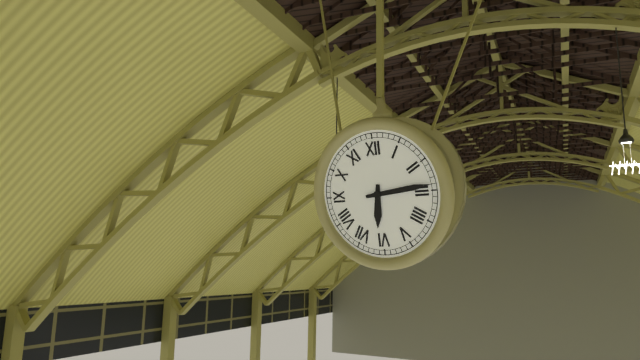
6:14
